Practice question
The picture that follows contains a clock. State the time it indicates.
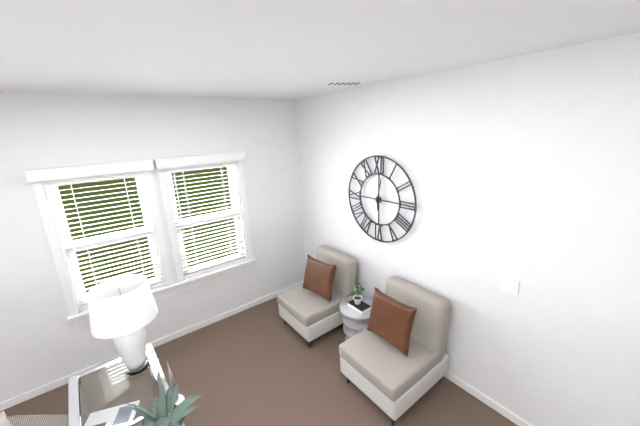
6:02
